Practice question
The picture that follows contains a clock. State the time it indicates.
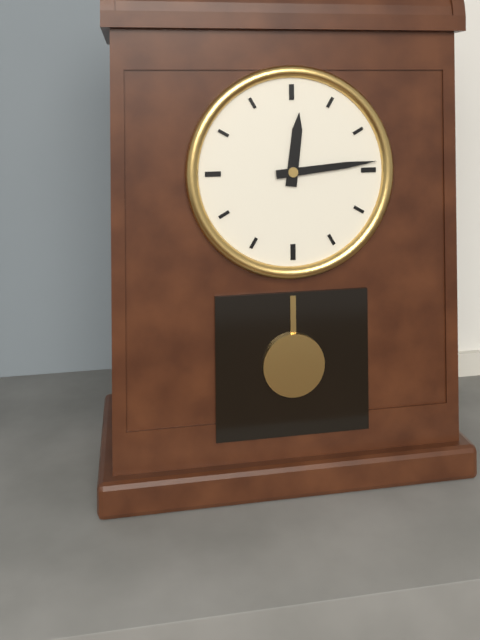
12:14
